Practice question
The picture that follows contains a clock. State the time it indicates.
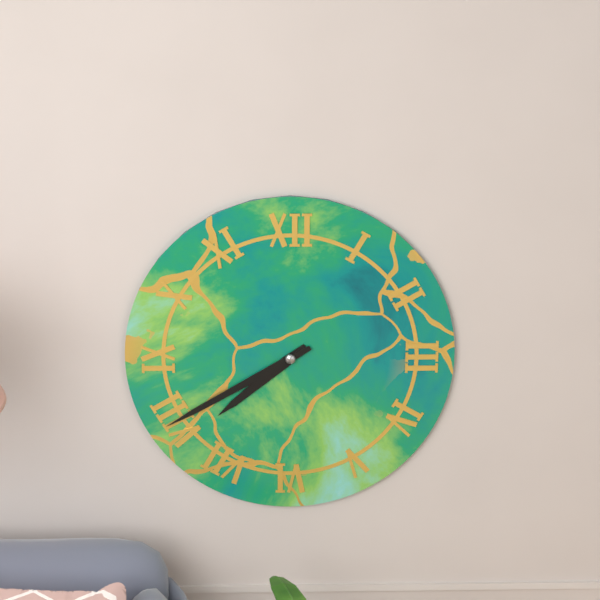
7:40
